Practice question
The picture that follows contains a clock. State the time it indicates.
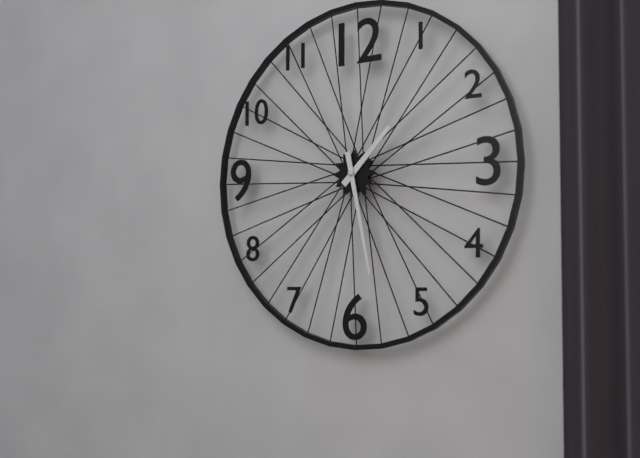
1:28
